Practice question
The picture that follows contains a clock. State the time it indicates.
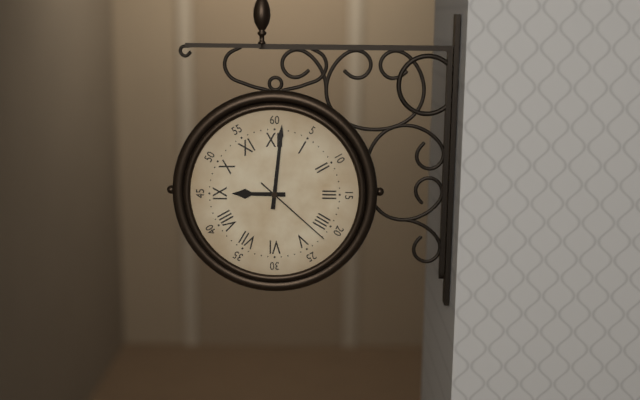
9:01:22
